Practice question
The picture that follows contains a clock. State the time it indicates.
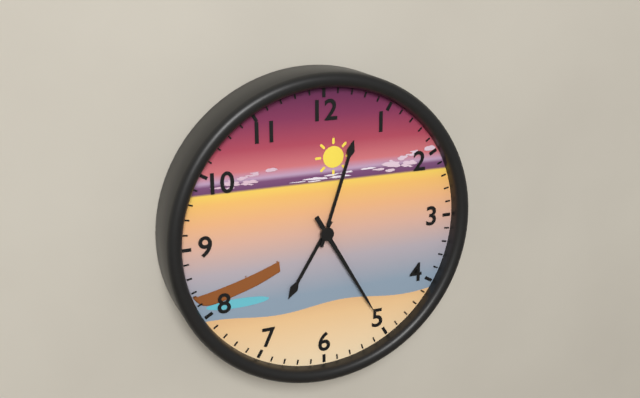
7:03:25
